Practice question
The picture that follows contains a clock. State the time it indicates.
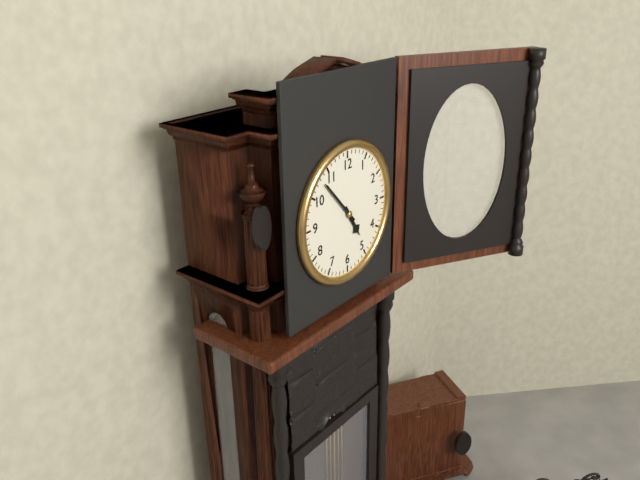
4:53
